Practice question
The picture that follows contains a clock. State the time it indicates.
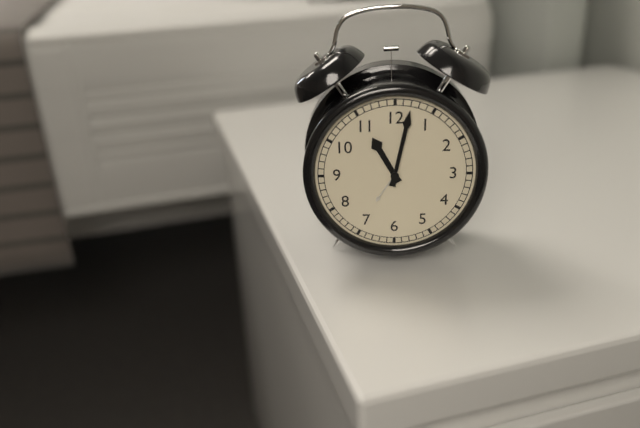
11:02
